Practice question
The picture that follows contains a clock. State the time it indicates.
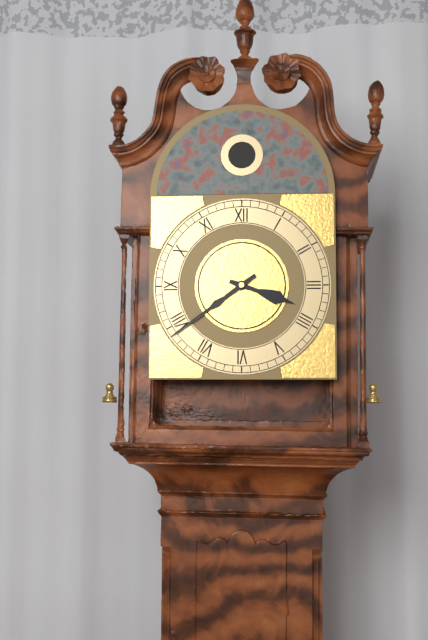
3:39
